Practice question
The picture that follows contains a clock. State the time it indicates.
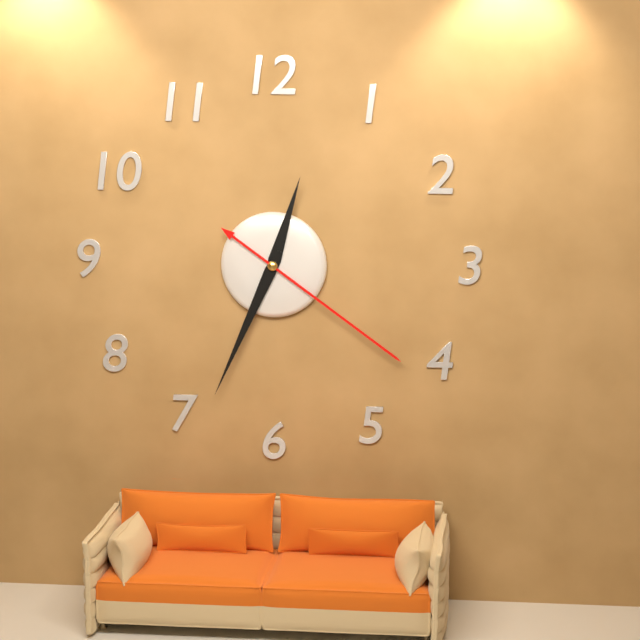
12:34:21
